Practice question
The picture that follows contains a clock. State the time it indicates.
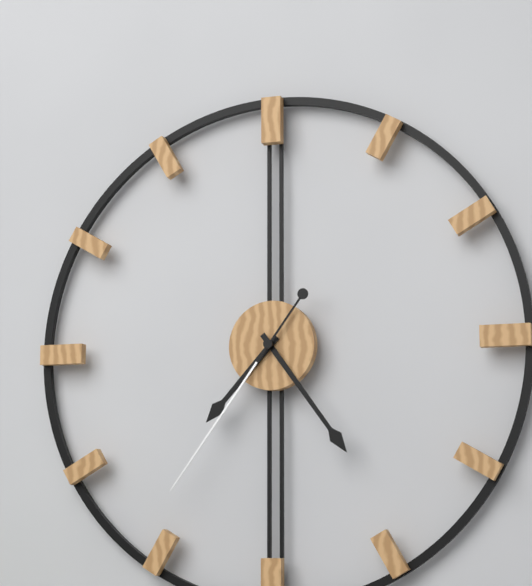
7:24:36
